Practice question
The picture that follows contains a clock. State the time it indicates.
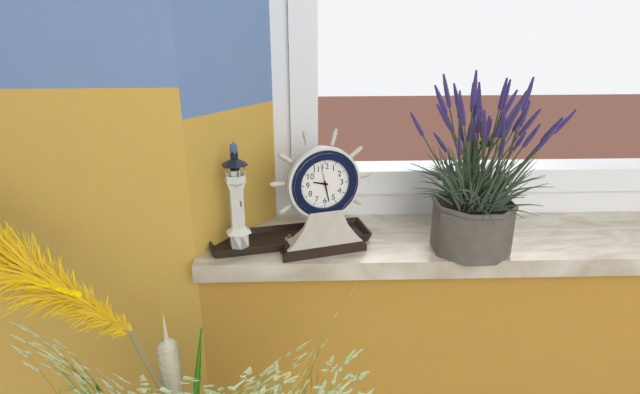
9:28
